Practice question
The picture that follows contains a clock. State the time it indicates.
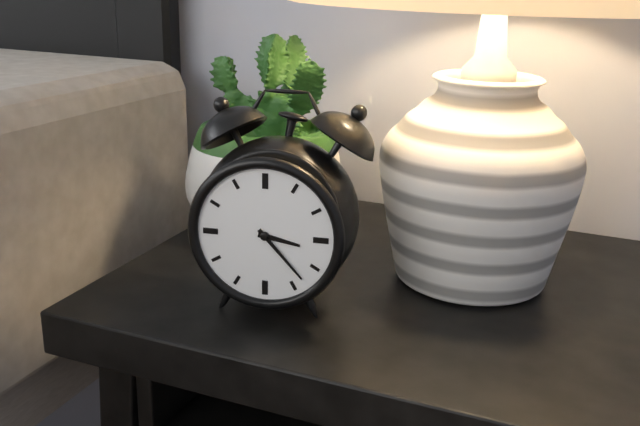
3:23
